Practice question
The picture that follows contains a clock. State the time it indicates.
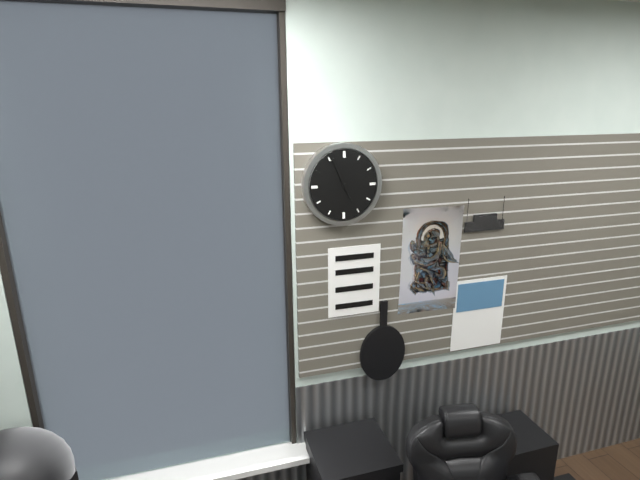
4:56
